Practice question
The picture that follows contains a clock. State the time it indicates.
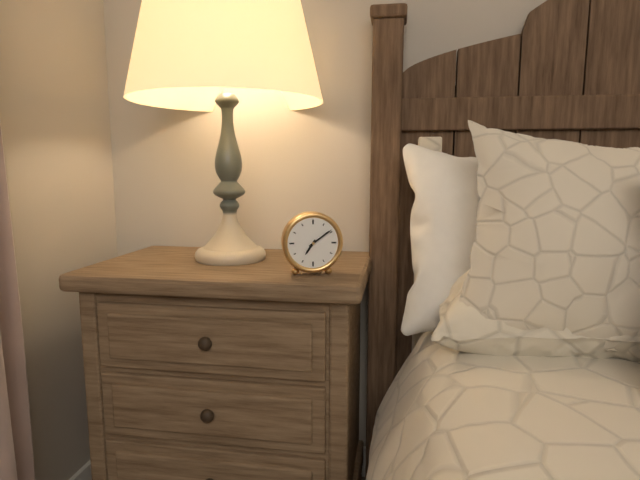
7:09
